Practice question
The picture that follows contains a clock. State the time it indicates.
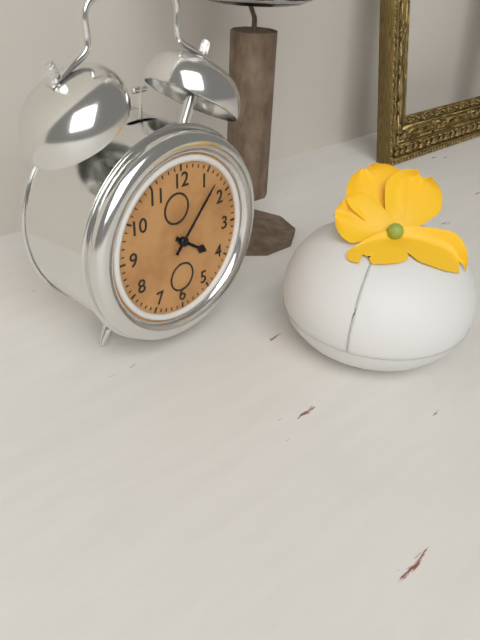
4:07
